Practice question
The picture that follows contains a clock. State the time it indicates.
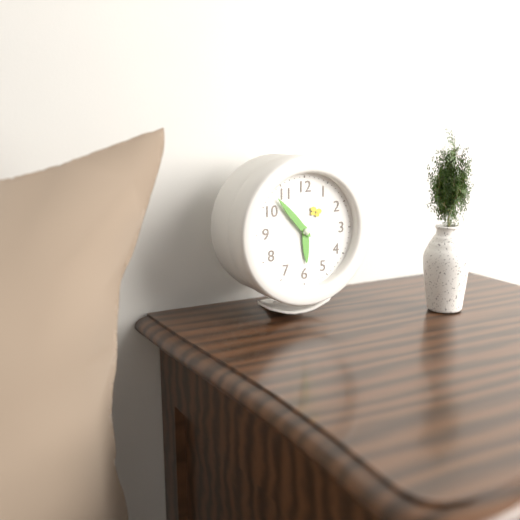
5:53
